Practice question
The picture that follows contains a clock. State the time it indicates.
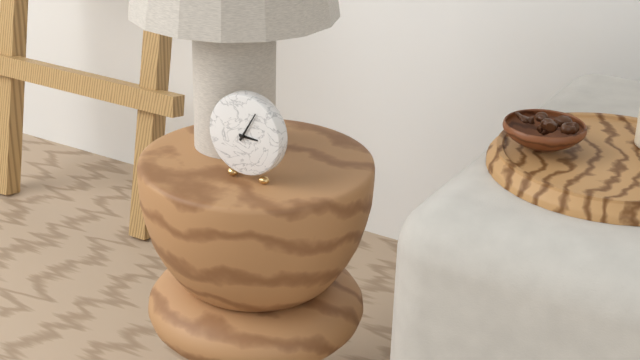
3:05
